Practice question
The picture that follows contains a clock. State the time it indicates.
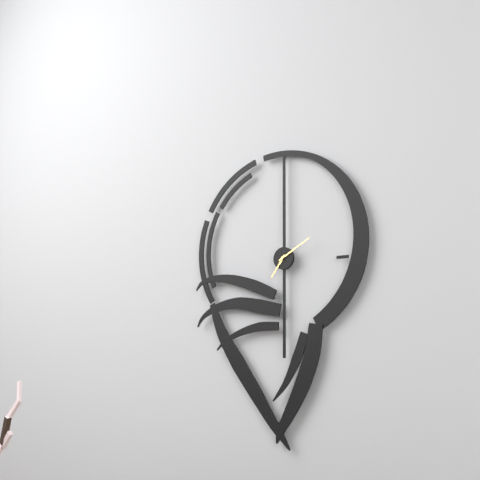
7:10
